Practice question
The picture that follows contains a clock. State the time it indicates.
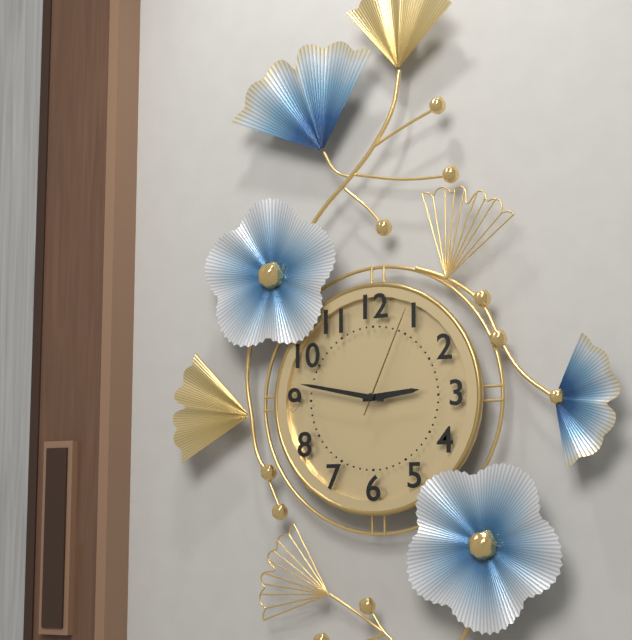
2:47:04
